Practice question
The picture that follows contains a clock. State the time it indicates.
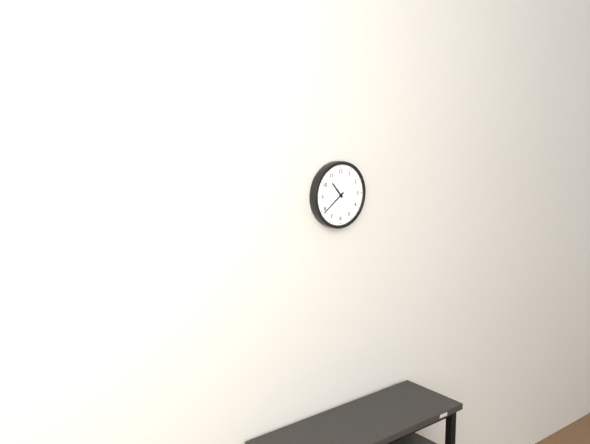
10:39
